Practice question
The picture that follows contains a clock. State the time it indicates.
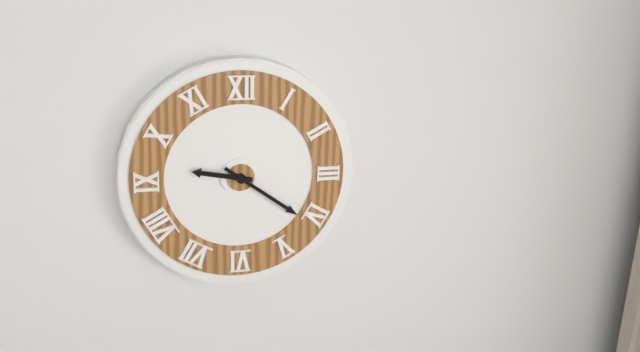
9:21
